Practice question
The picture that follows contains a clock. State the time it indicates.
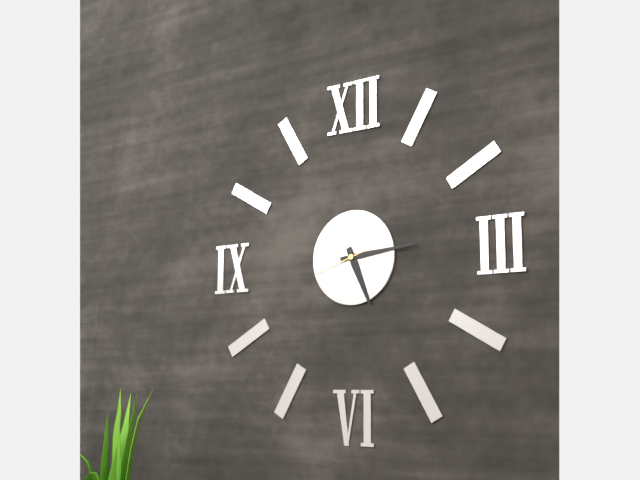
5:14:42
